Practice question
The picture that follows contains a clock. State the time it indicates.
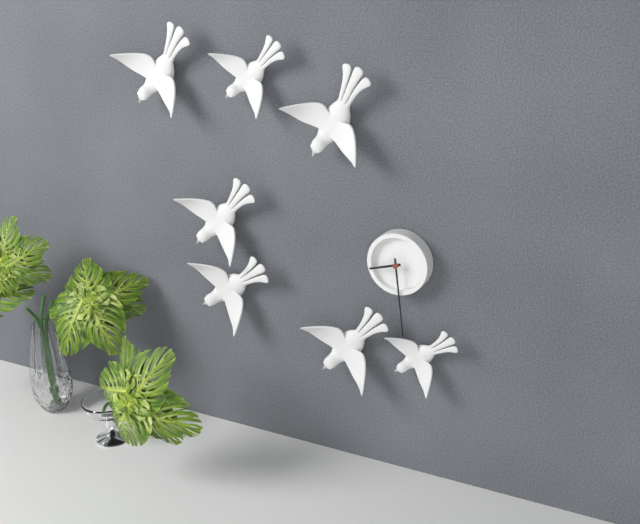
8:29
